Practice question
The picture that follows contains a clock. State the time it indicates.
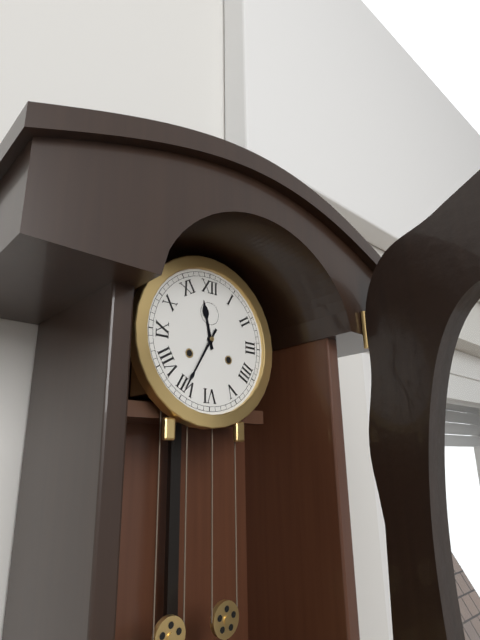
11:35
